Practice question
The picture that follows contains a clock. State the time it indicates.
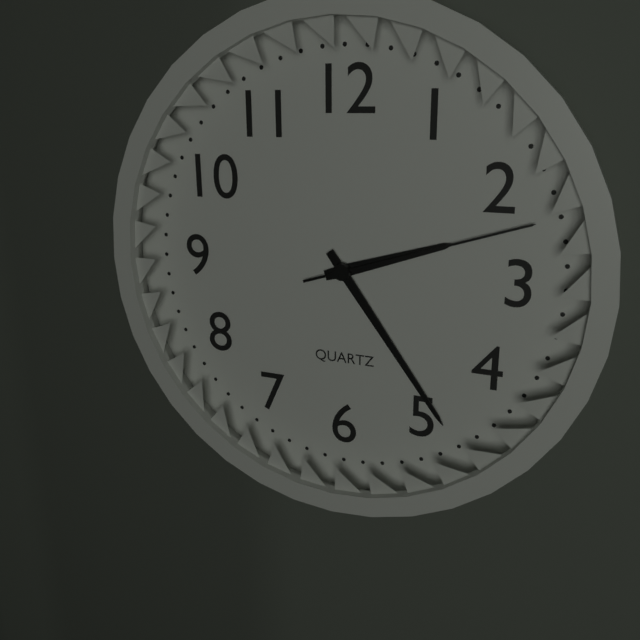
2:24:12
